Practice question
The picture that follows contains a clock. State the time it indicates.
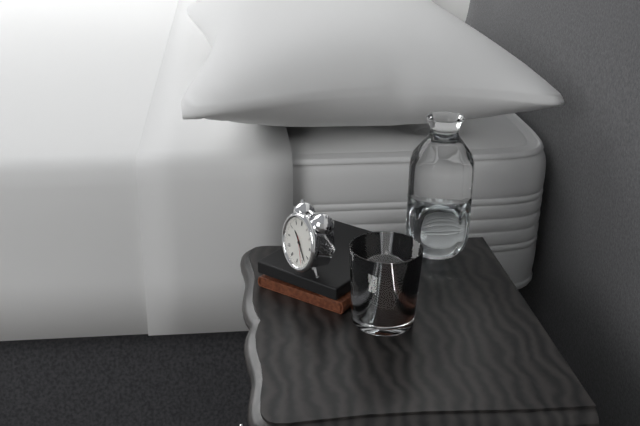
10:23
